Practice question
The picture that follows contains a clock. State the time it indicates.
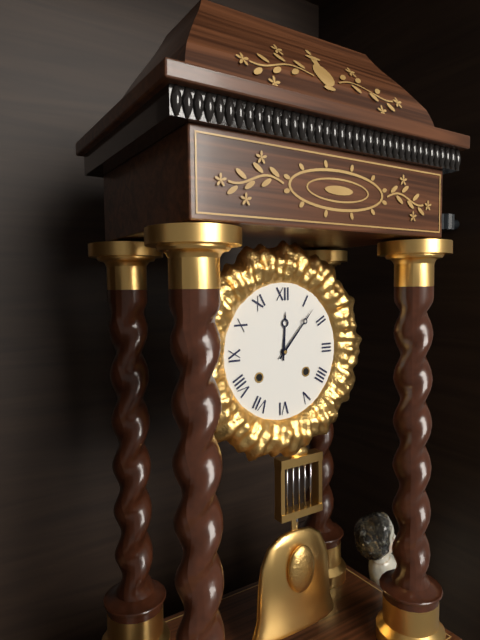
12:07
